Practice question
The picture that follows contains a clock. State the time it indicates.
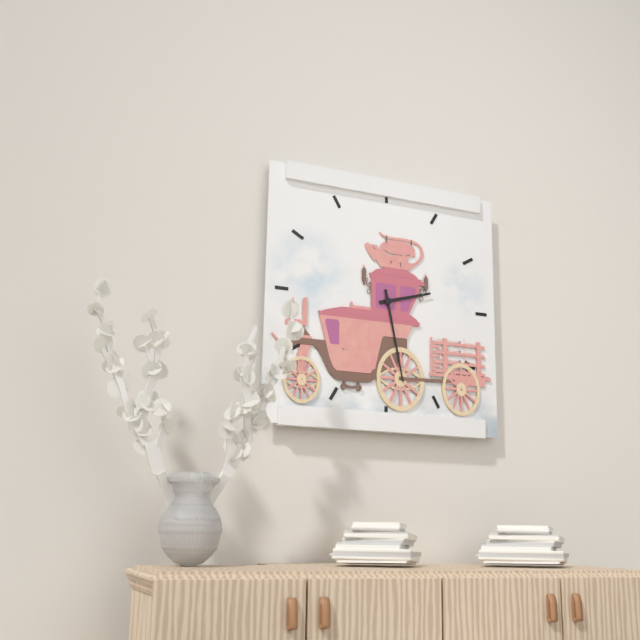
2:28
